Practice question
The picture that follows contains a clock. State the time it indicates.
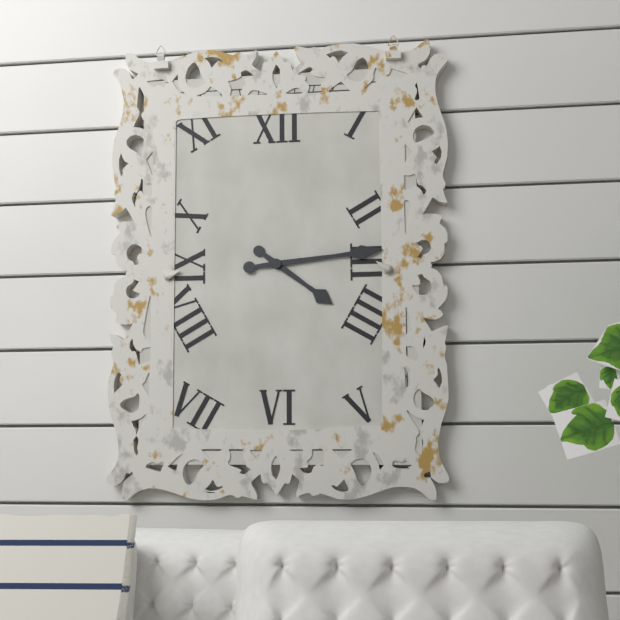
4:14
